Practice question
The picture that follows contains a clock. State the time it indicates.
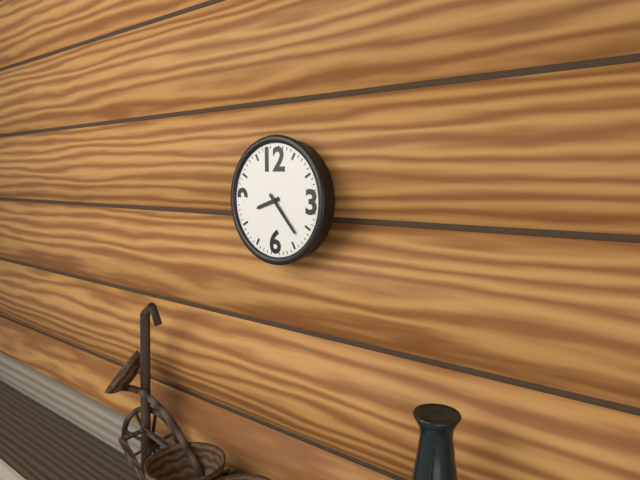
8:23
